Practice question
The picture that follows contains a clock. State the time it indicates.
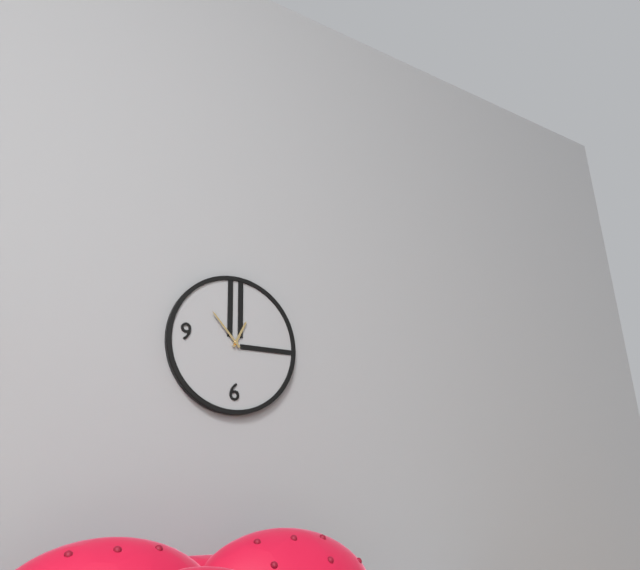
12:53
